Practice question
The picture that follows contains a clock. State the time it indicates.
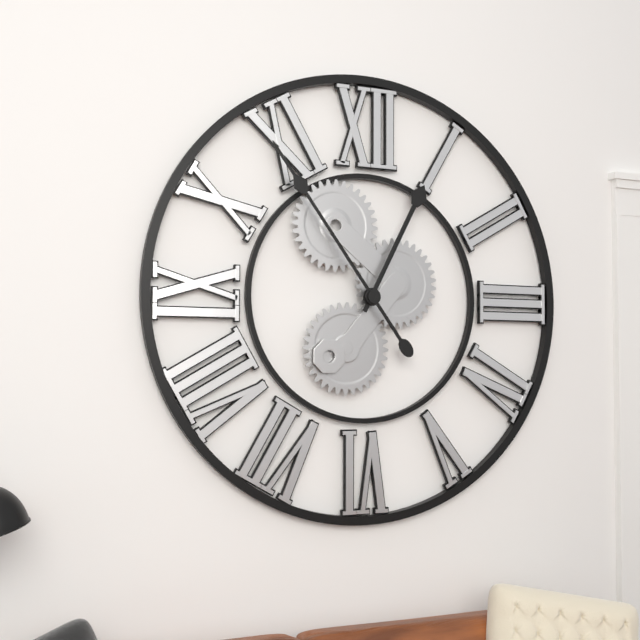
12:54
